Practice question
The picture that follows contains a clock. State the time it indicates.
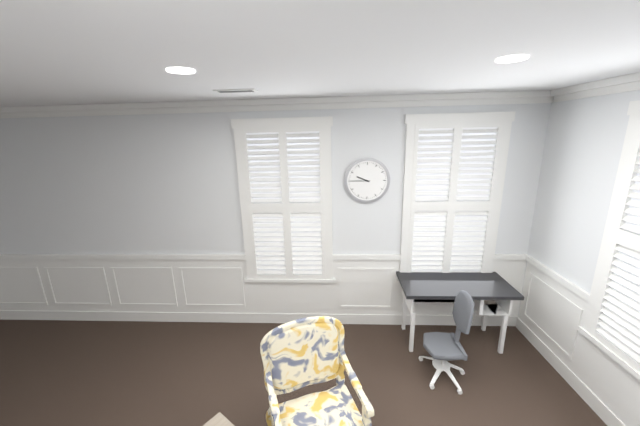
9:45
